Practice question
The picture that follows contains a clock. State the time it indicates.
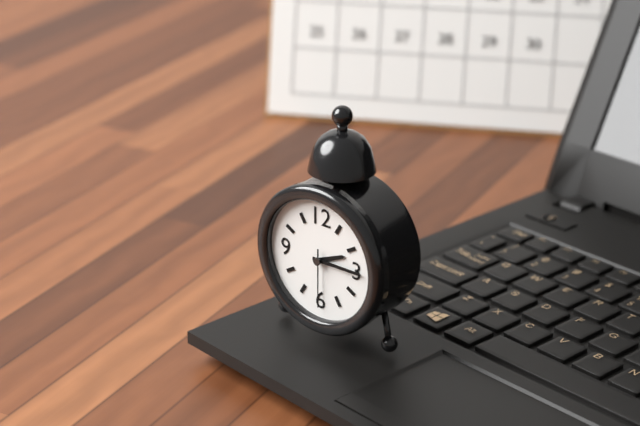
2:15:30
